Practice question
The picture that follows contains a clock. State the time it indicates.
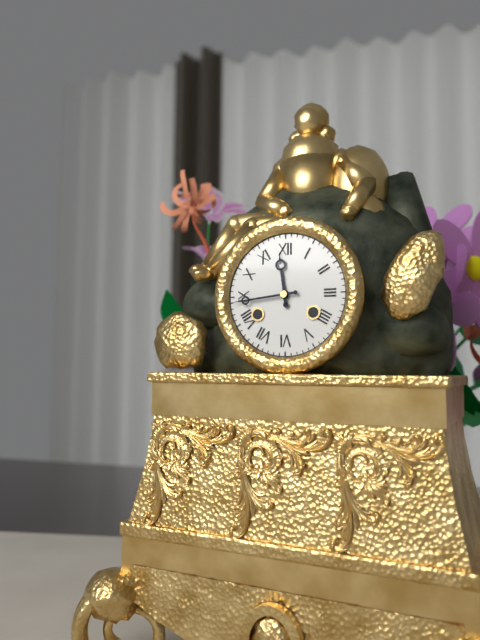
11:44
